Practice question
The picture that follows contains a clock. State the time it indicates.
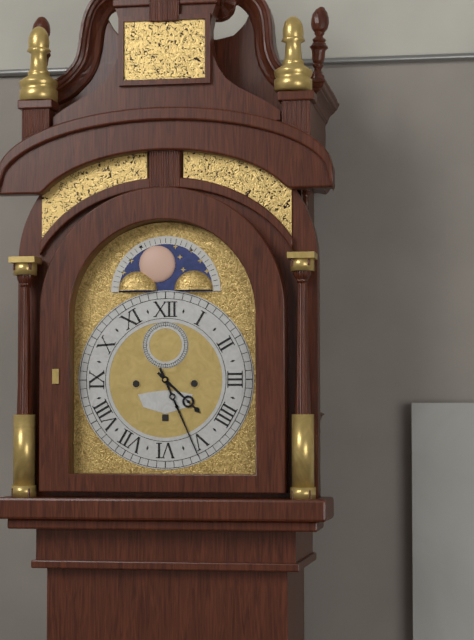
4:26
